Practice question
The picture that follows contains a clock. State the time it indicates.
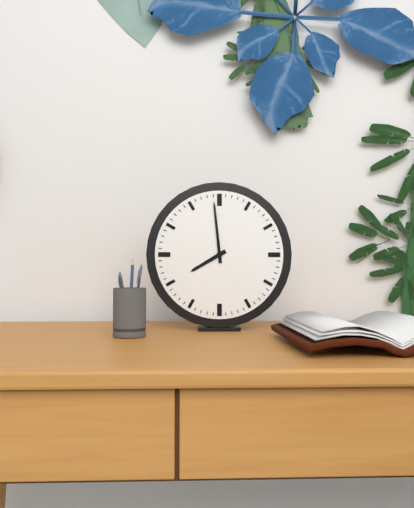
7:59
